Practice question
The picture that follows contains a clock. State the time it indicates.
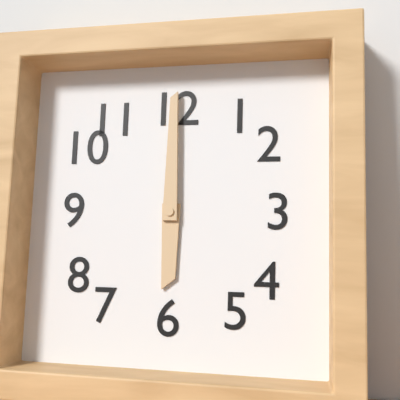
6:00
